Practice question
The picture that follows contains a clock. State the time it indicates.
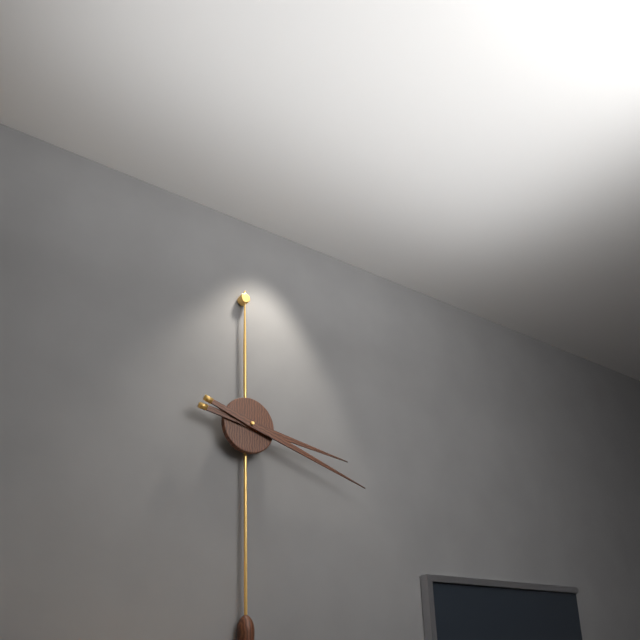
3:18
